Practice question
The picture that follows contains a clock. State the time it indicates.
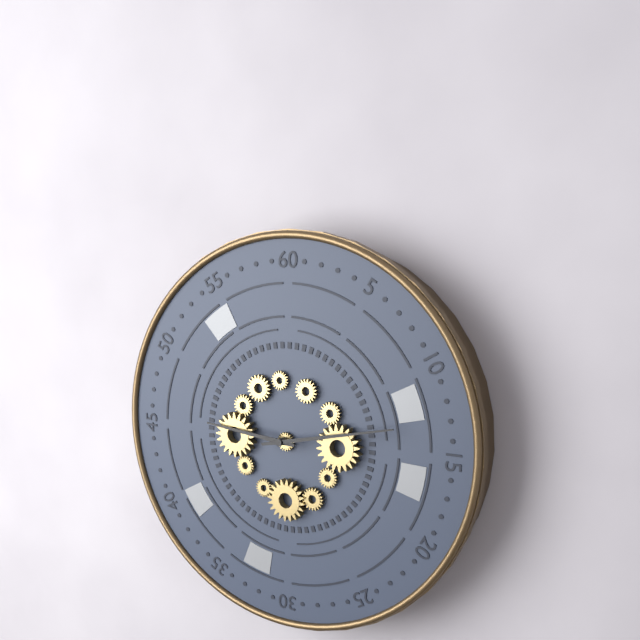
9:13
